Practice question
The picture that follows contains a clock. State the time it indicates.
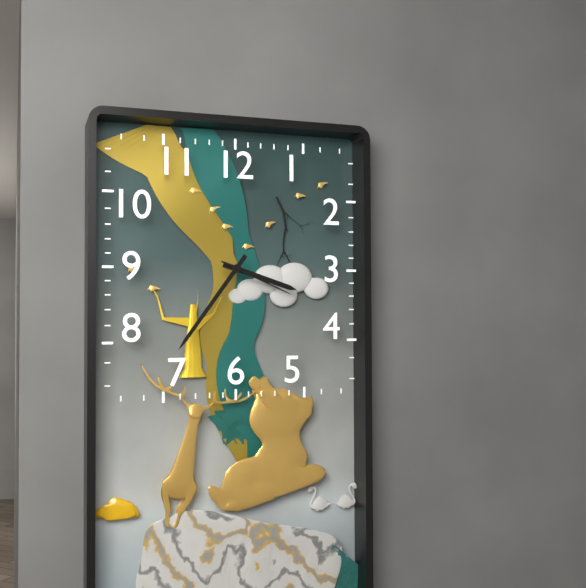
3:36:19
